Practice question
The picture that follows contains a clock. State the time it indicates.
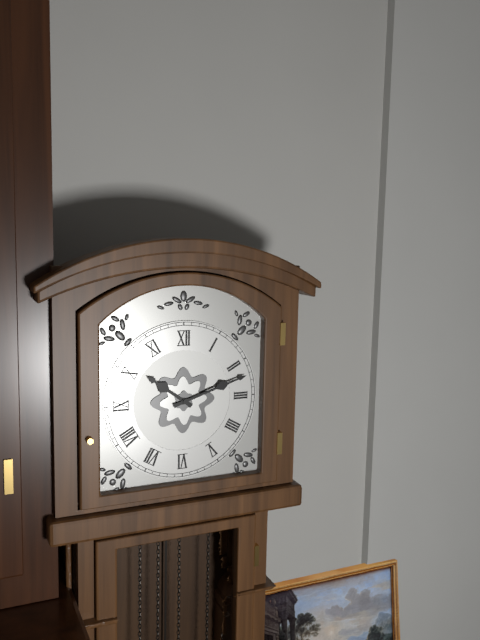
10:12
